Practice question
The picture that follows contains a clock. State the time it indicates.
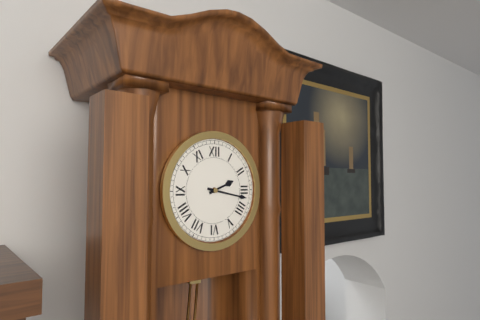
2:17
